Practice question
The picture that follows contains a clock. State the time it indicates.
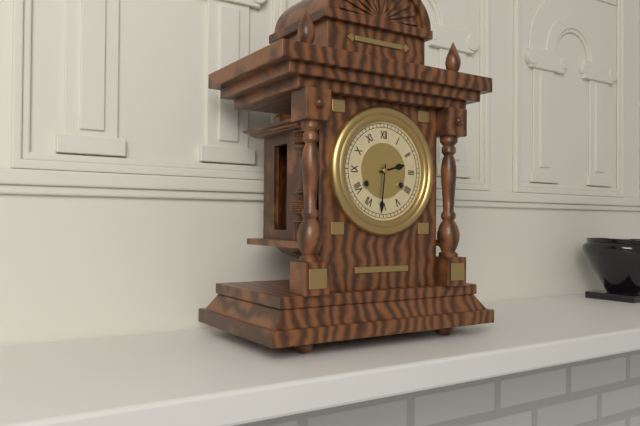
2:31
